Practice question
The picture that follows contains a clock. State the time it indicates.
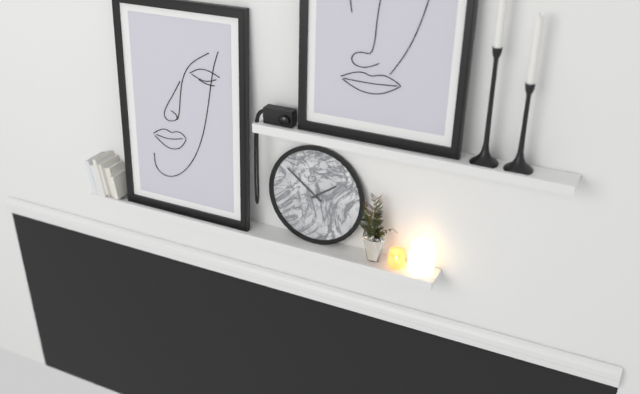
1:51
